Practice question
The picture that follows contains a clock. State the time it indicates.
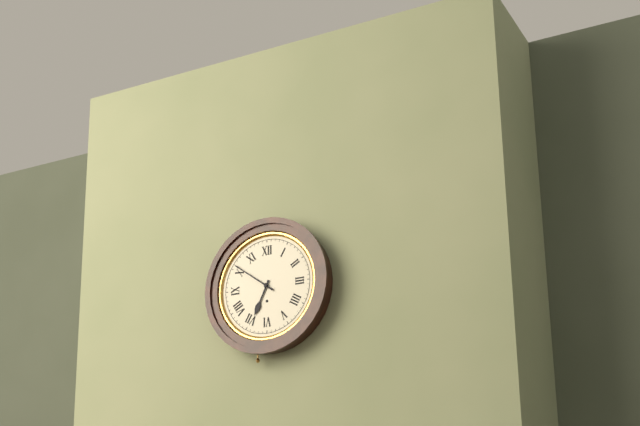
6:51
